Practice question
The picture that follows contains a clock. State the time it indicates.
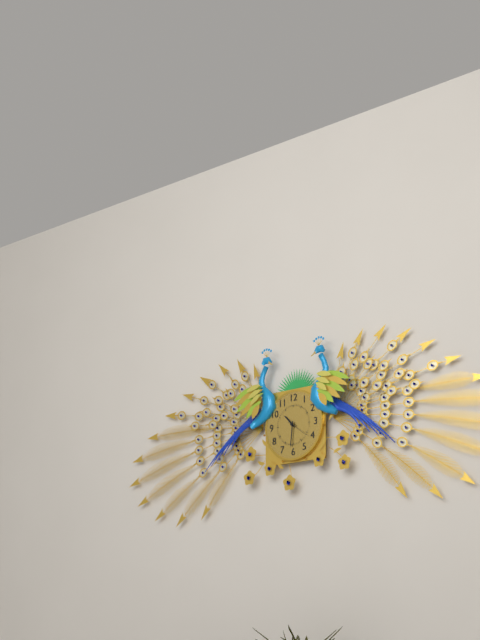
10:31
